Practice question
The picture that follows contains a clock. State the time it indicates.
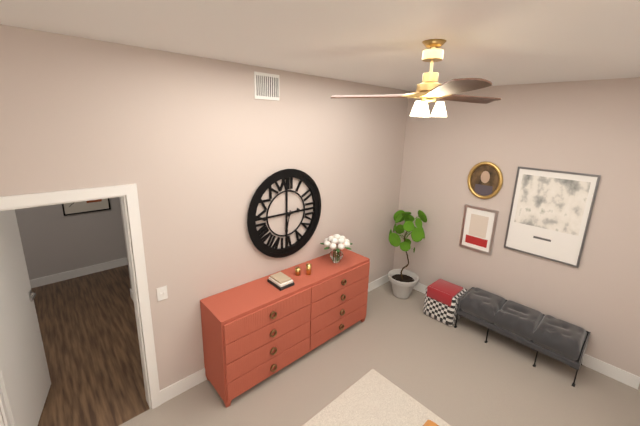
2:32
